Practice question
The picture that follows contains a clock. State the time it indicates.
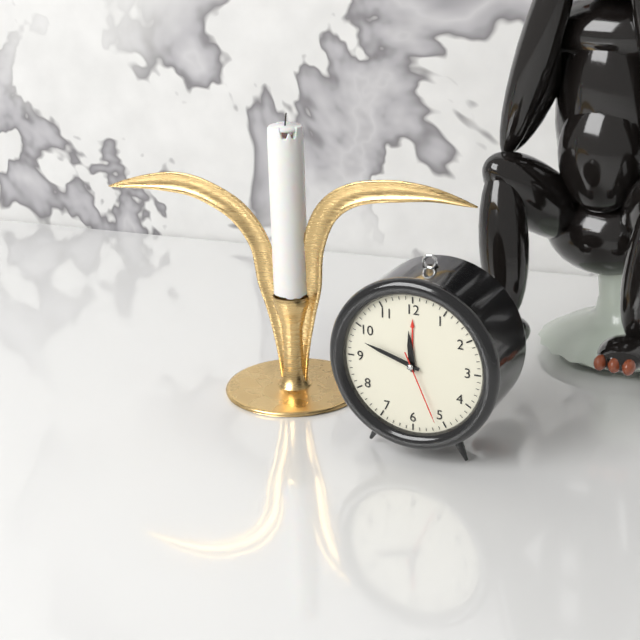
11:48:26
